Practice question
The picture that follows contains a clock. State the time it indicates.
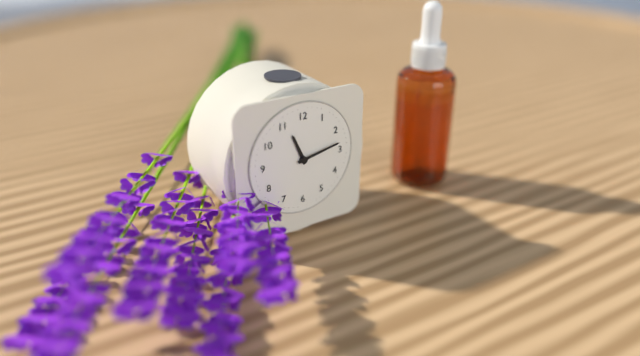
11:13
